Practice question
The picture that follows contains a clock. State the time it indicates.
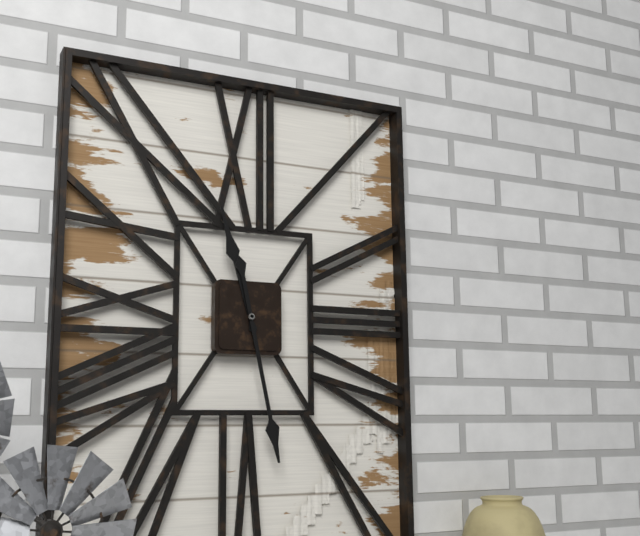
11:28
